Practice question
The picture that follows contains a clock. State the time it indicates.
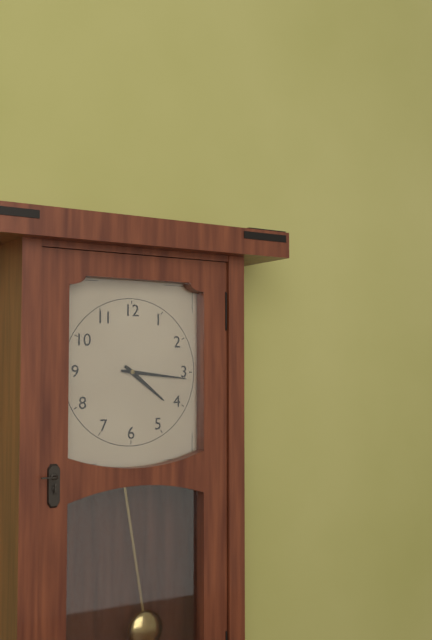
4:16
